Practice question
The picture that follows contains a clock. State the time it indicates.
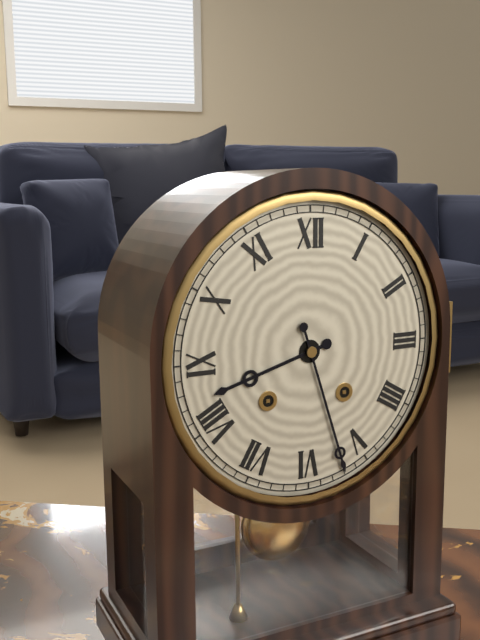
8:27
